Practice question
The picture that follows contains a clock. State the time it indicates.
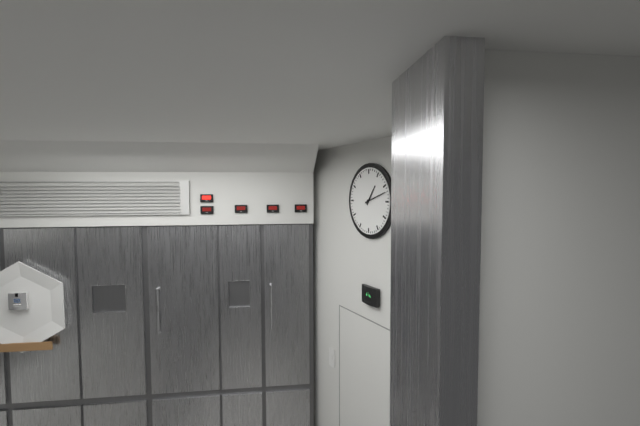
1:12
